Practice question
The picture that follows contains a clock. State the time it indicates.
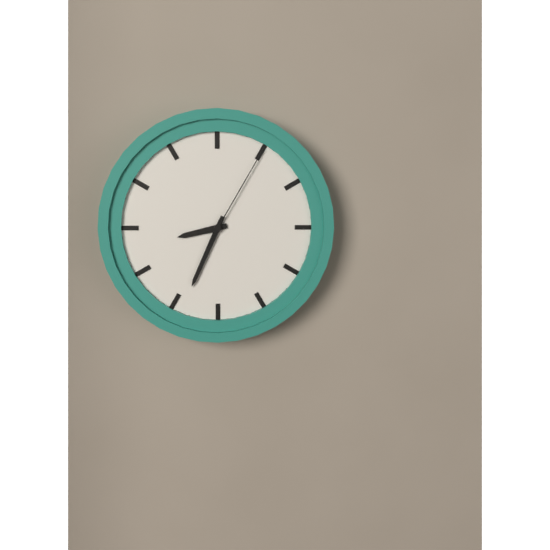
8:34:05
